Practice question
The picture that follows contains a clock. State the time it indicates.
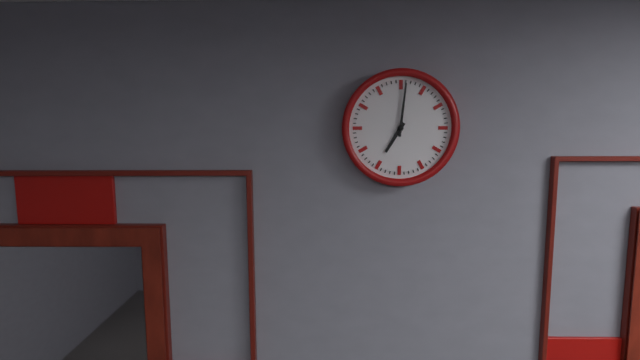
7:01
